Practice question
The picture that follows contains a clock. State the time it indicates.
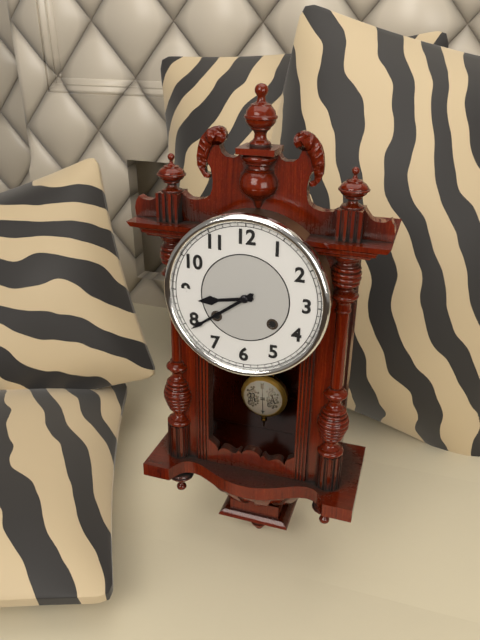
8:39
